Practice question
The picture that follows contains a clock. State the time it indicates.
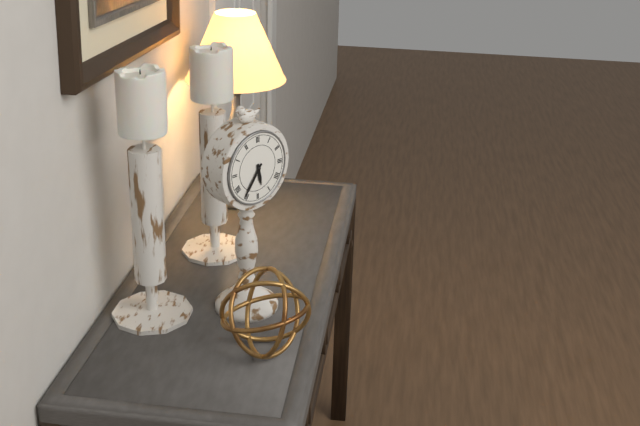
5:36
